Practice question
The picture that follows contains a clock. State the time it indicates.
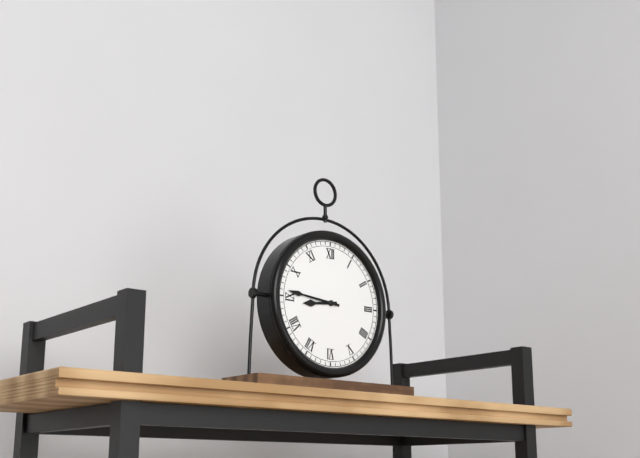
8:46
